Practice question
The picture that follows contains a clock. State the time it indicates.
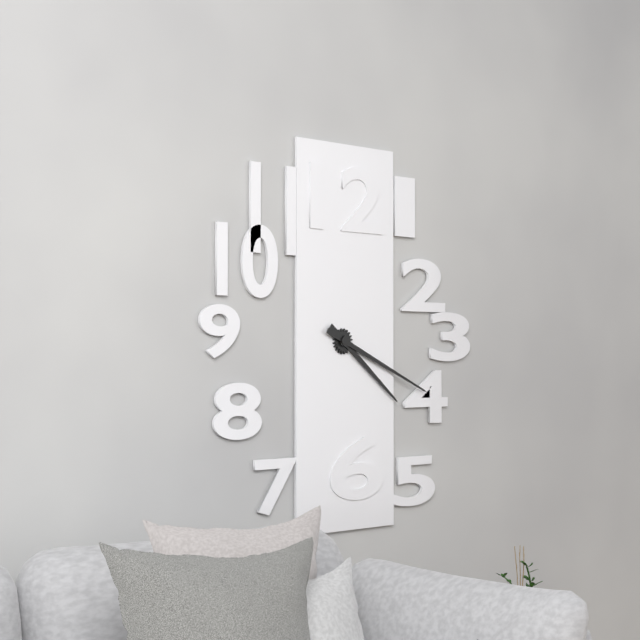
4:19
